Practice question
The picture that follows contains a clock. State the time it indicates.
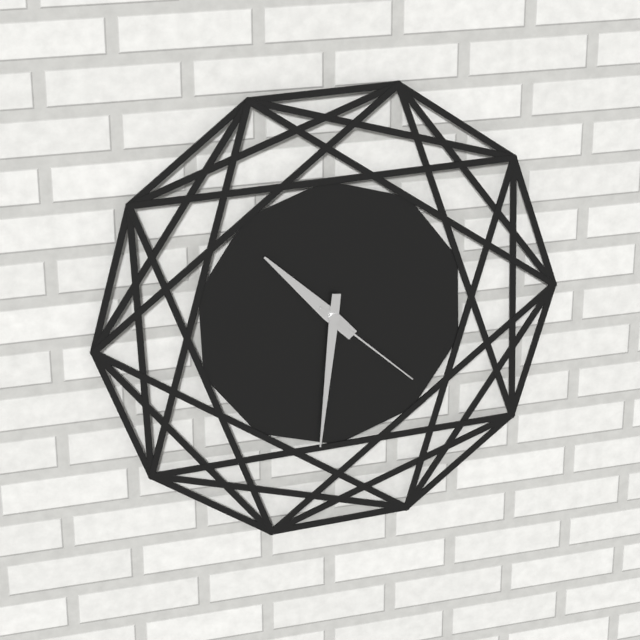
10:31:22
